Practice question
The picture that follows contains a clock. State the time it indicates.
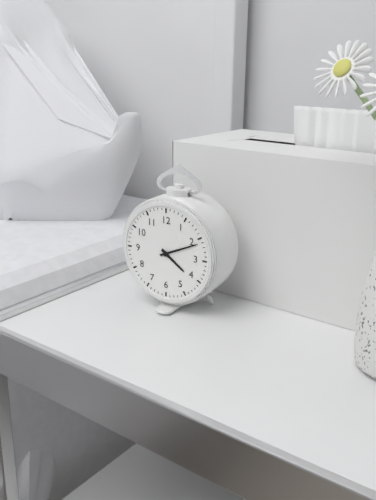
4:11
